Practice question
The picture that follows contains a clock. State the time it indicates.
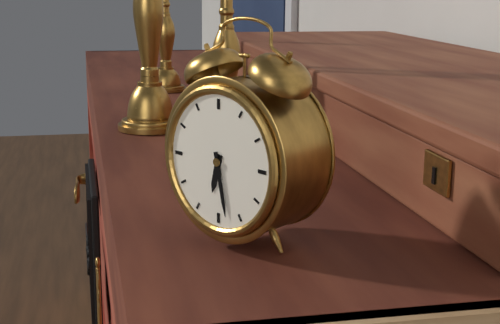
6:28
